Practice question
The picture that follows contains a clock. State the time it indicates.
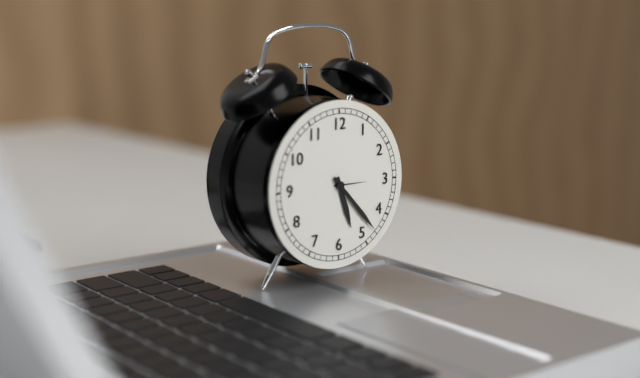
5:23
